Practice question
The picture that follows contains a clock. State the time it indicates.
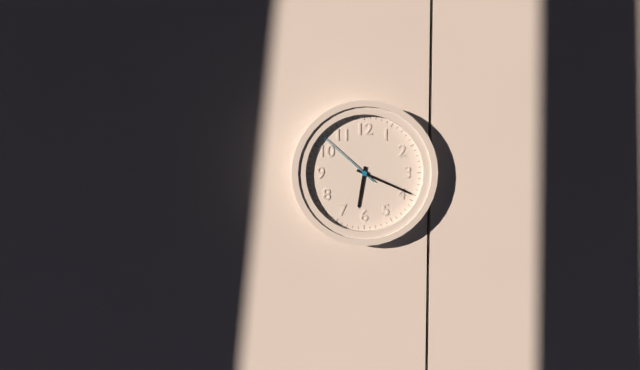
6:19:52
